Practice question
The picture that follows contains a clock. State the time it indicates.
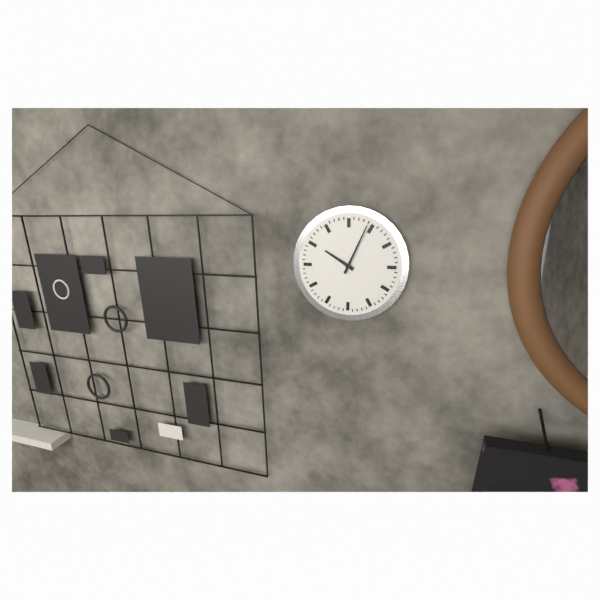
10:04
